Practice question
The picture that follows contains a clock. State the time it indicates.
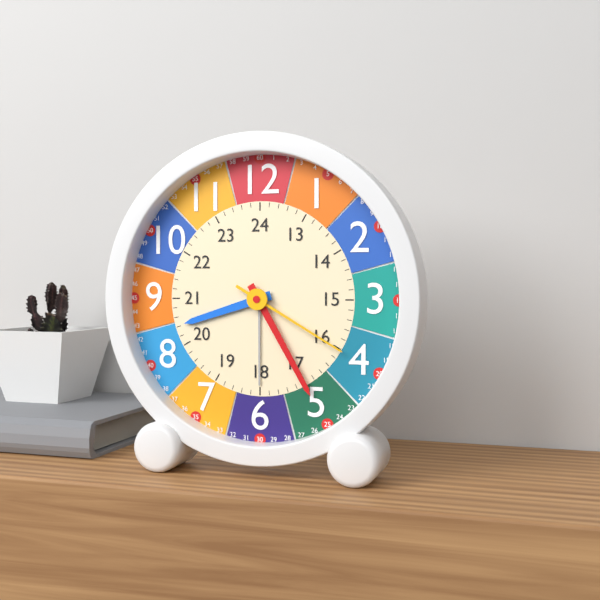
8:25:20
